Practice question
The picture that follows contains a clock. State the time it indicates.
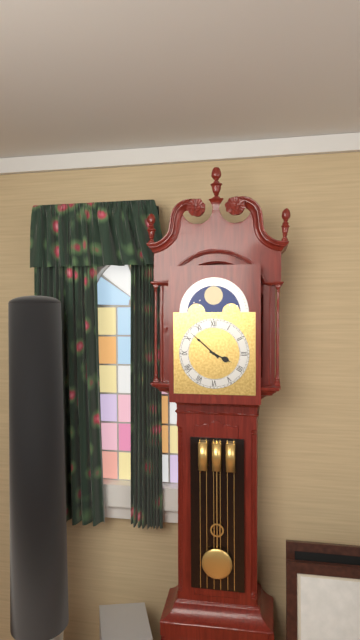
3:52
